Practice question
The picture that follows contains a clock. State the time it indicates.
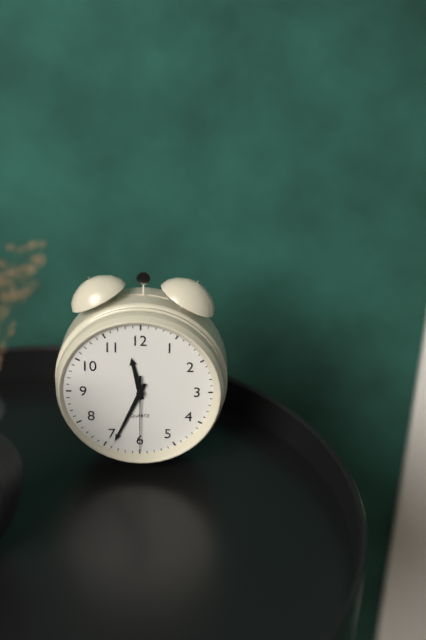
11:34:30
